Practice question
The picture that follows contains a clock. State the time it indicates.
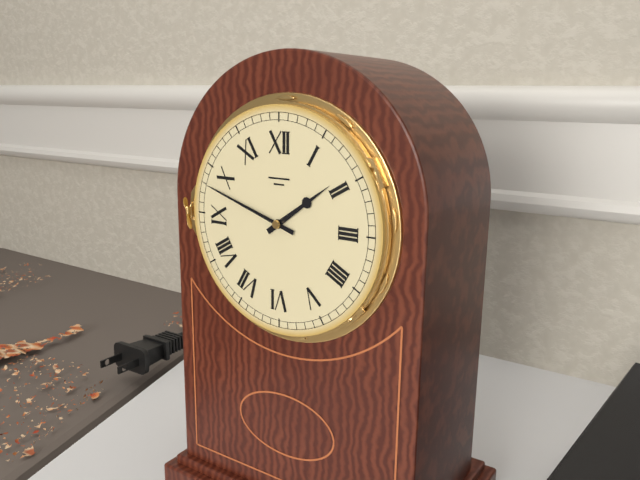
1:48
